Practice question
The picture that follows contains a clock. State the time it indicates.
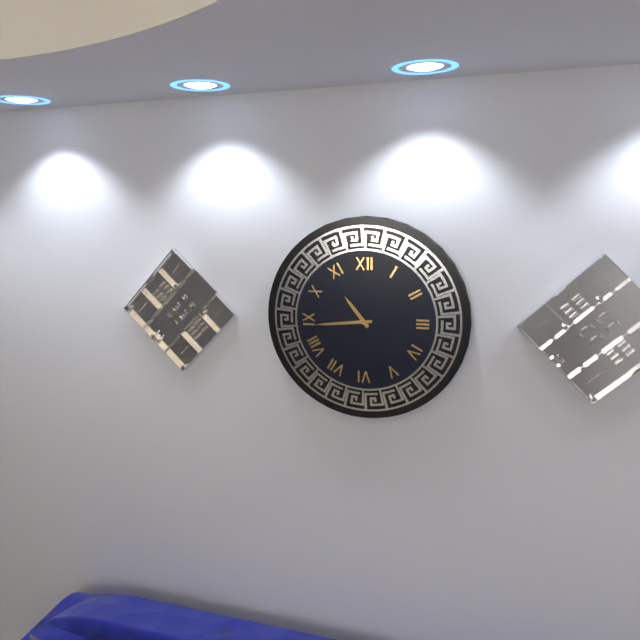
10:44
